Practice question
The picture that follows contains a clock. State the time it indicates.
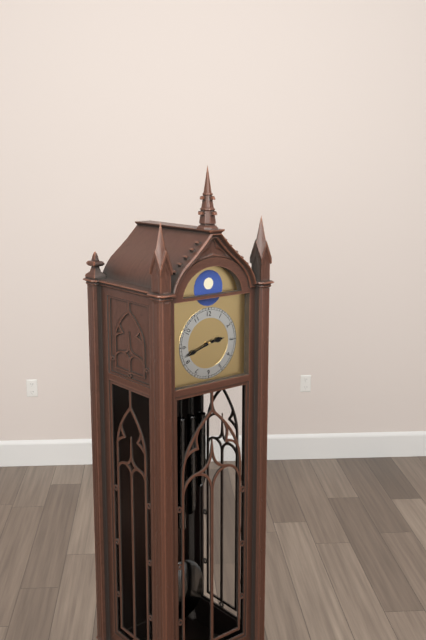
2:42
